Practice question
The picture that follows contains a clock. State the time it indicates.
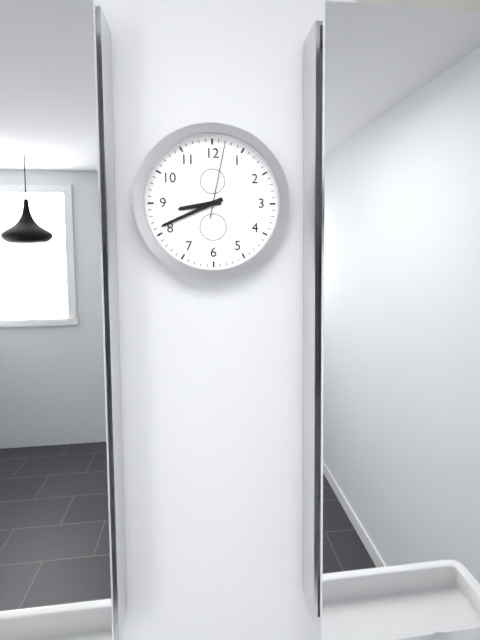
8:41:02
